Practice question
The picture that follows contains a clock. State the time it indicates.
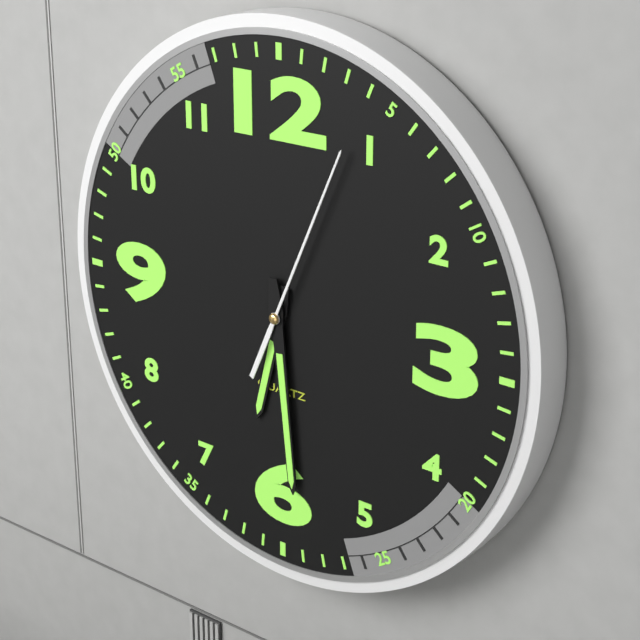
6:29:04
